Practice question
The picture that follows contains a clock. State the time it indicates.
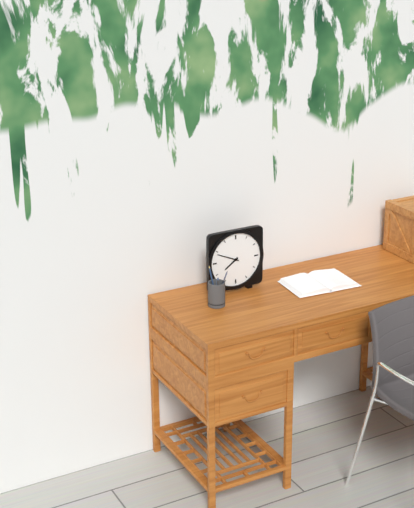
7:49
